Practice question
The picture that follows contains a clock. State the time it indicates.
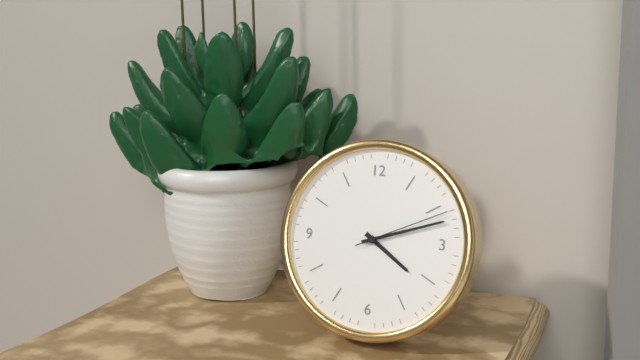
4:12:11
